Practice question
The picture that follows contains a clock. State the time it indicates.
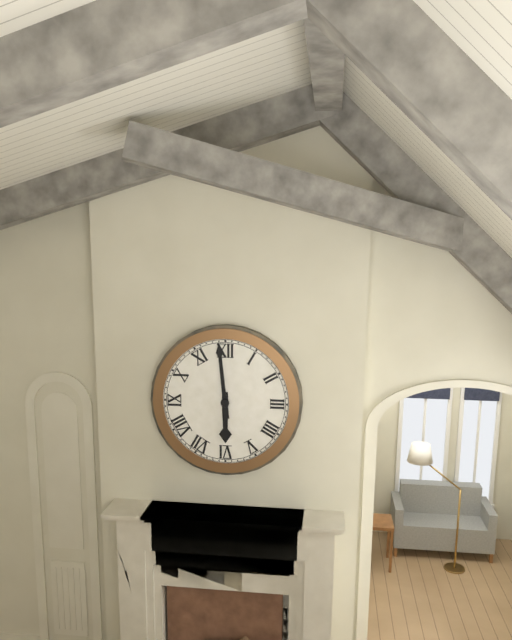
5:59
